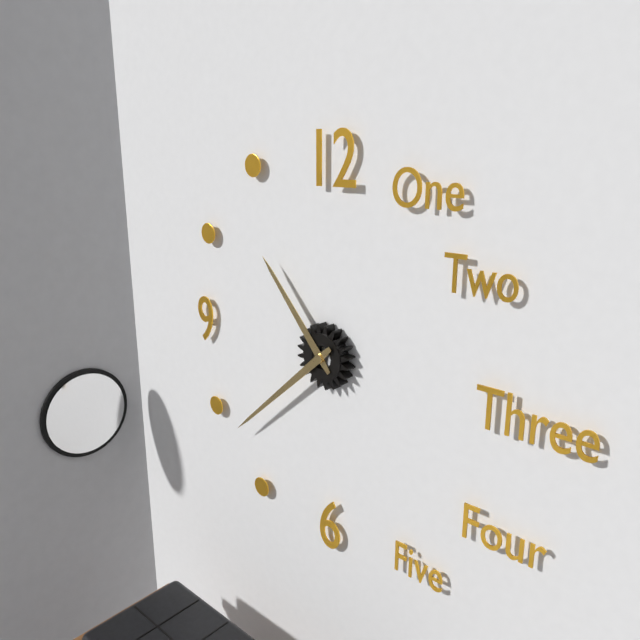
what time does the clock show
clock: 10:38
